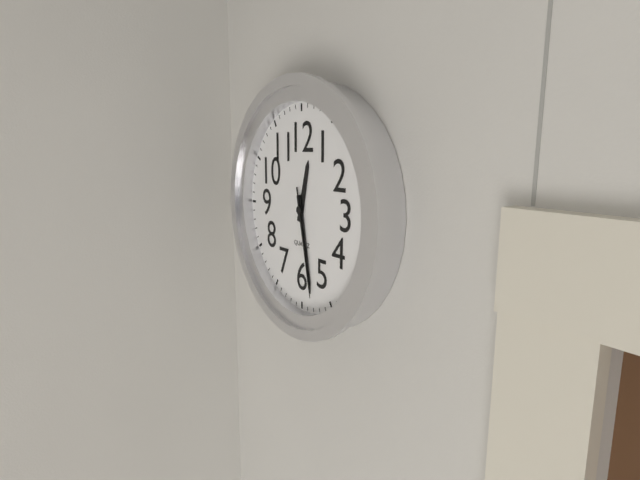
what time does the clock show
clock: 12:28:28
